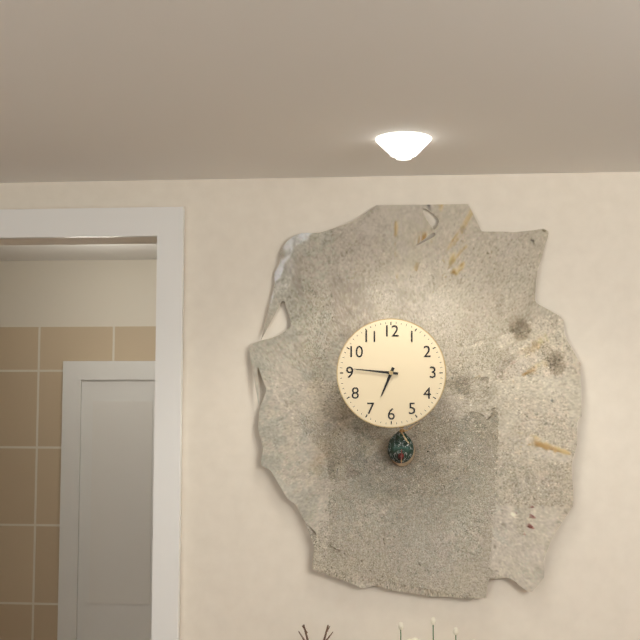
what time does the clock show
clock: 6:46
